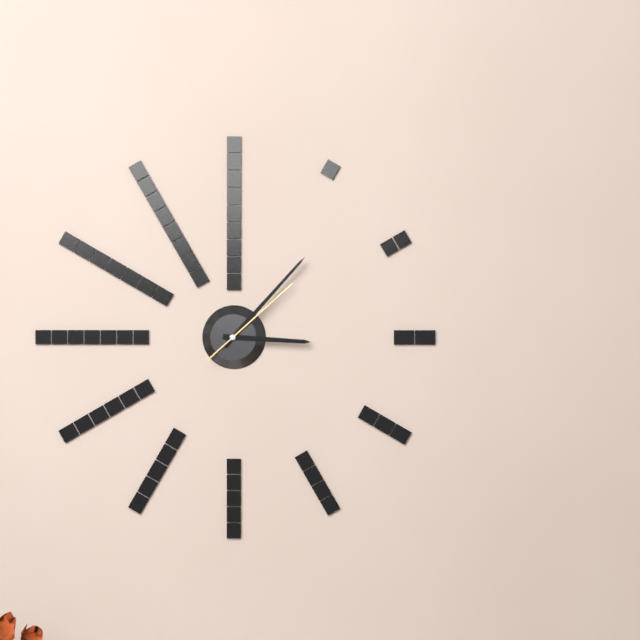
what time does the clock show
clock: 3:07:08
